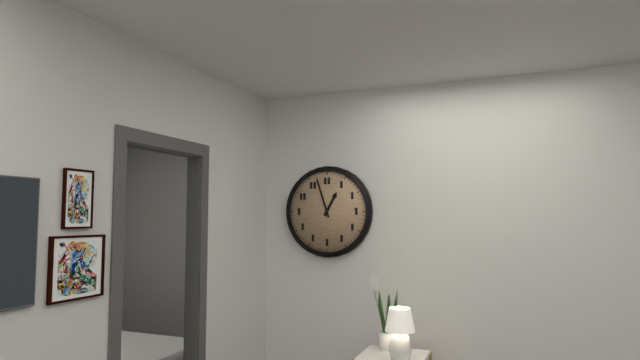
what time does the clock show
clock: 12:57
